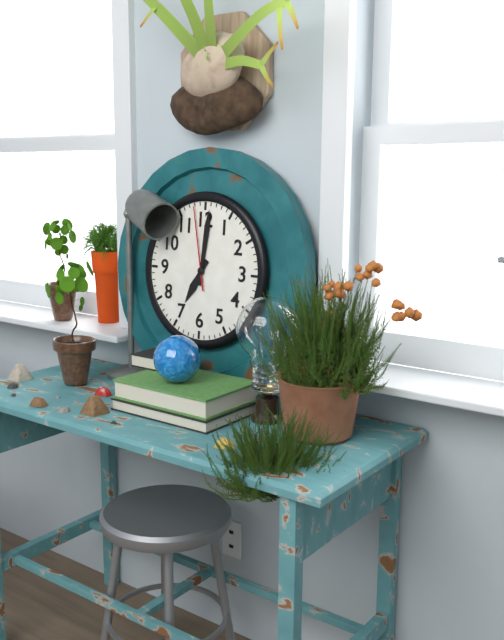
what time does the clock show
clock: 7:01:58
